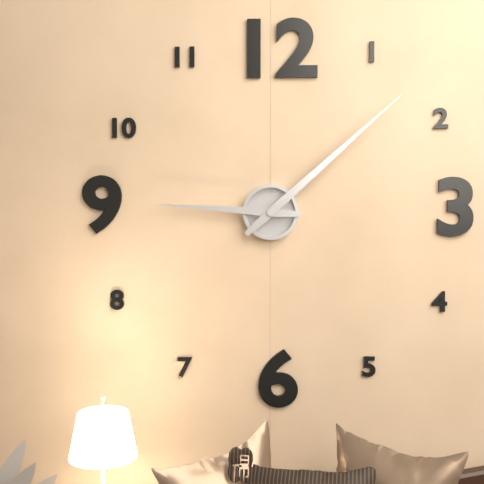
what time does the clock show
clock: 9:08
